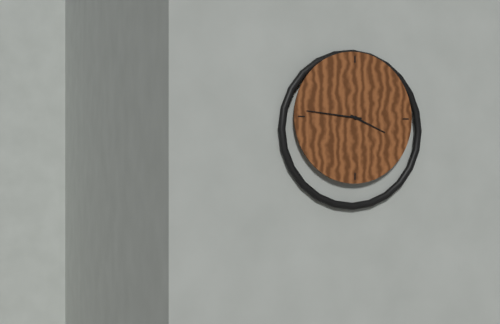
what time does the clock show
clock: 3:46
